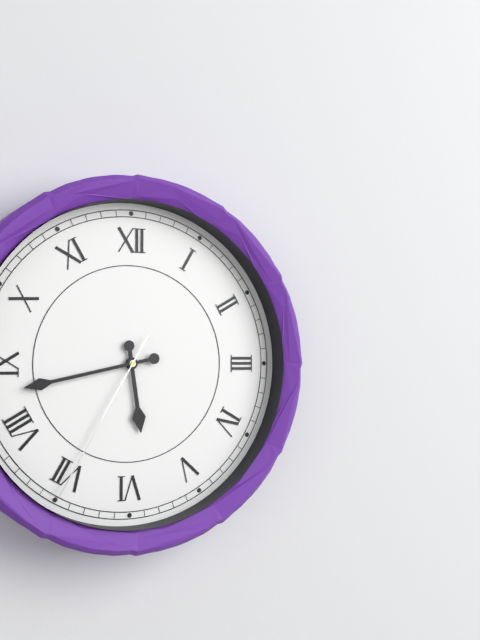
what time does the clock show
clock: 5:43:35
